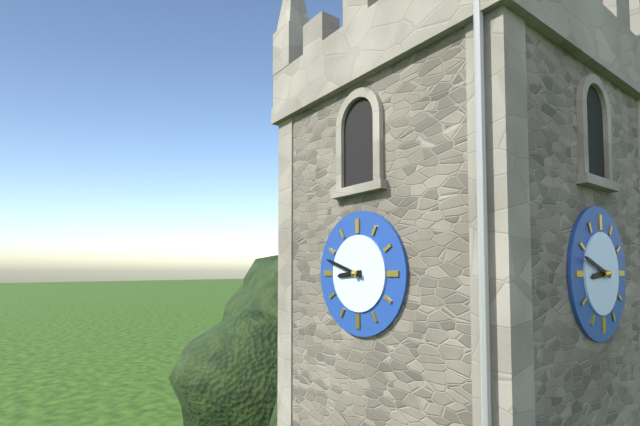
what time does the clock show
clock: 8:48
